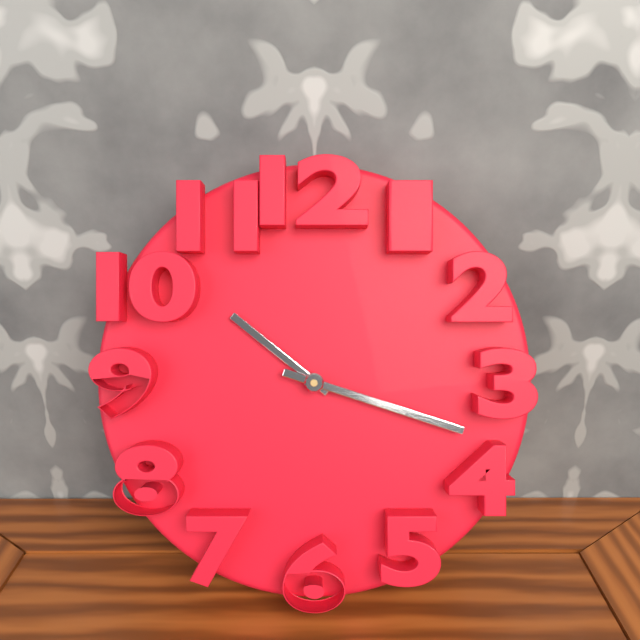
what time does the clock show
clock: 10:18
